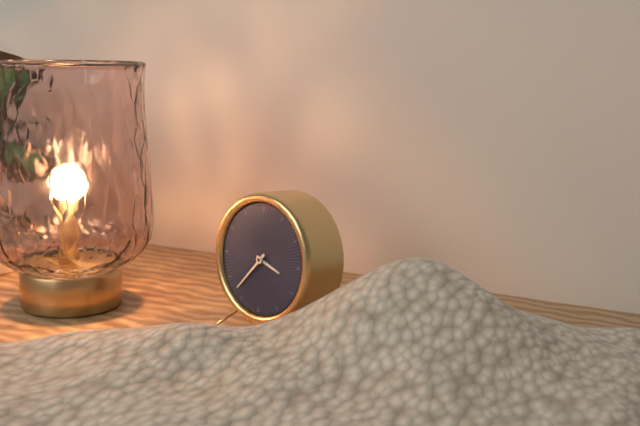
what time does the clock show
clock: 3:37
